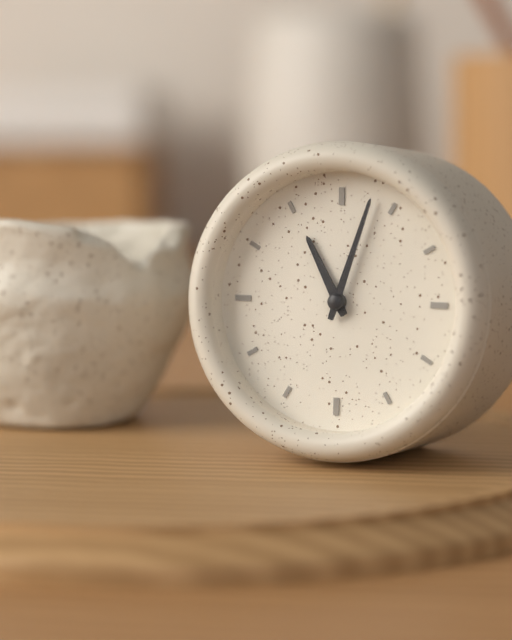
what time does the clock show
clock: 11:03
